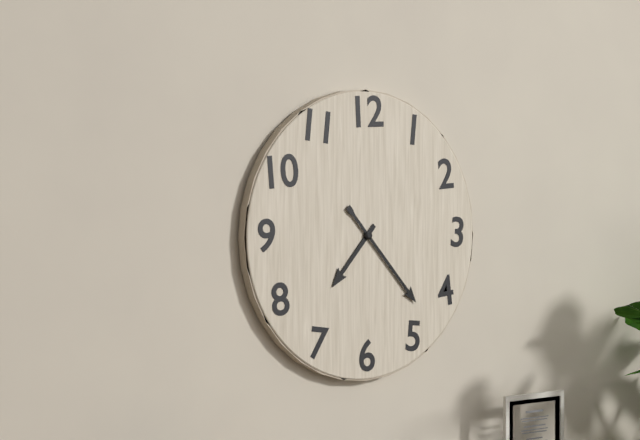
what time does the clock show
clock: 7:23
